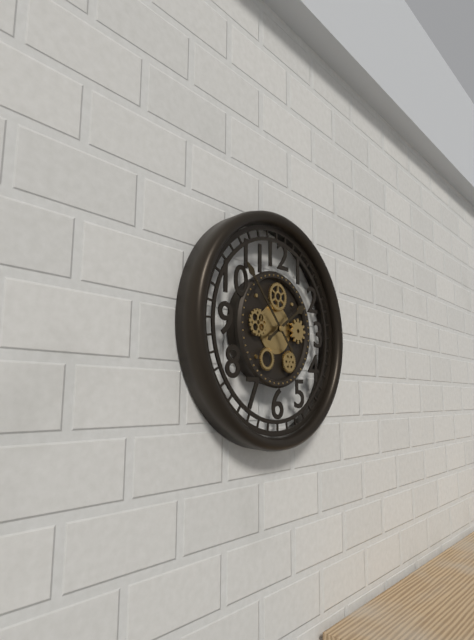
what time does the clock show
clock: 1:53
